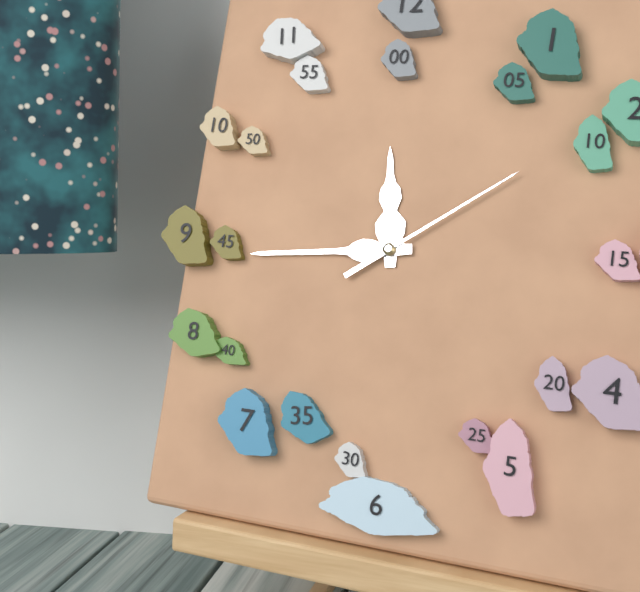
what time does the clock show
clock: 11:44:09
